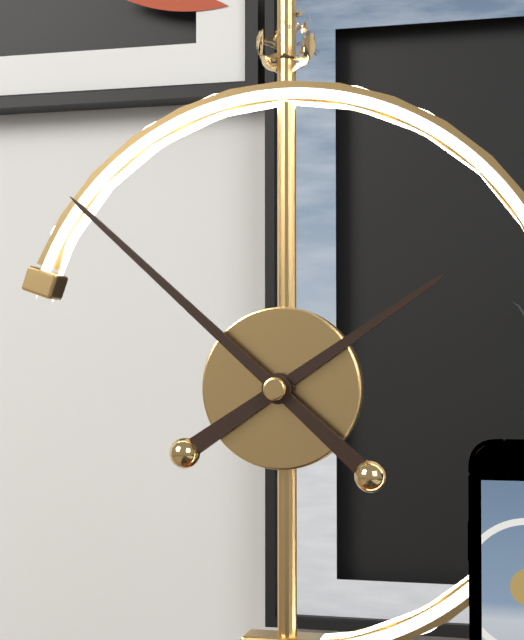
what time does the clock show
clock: 1:52
